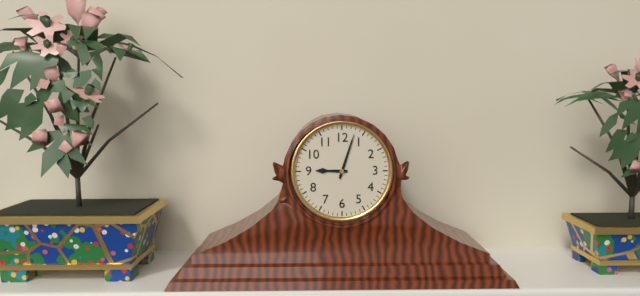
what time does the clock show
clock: 9:03
